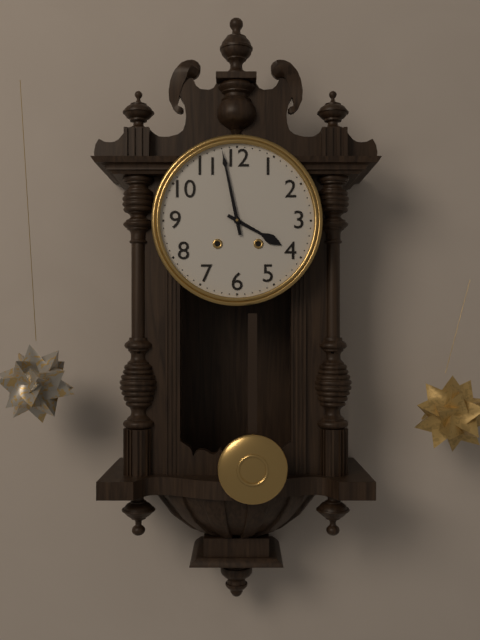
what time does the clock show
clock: 3:58
